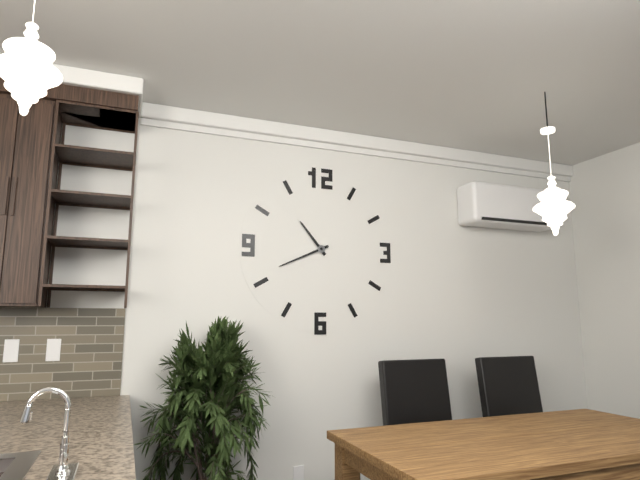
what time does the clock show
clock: 10:41
